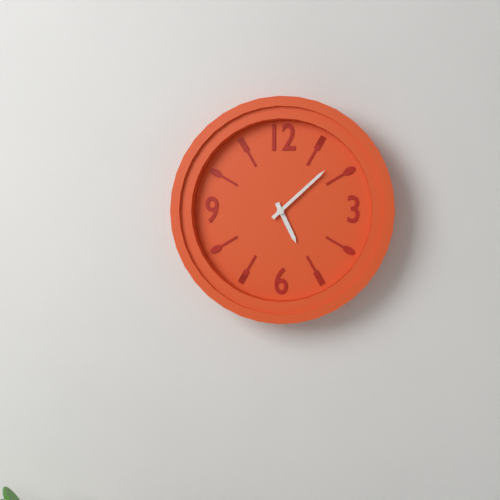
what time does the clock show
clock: 5:08
